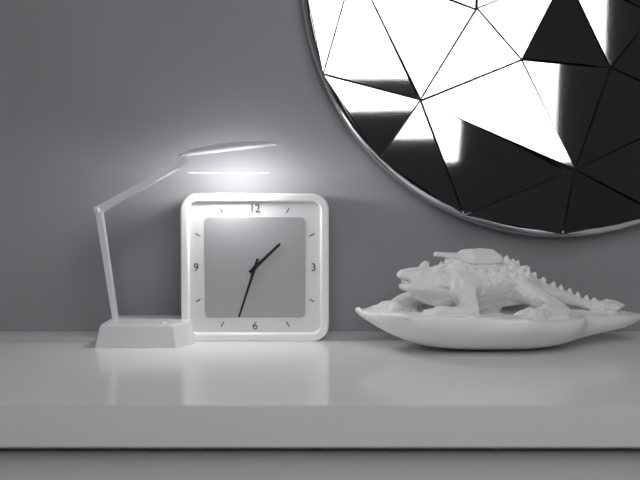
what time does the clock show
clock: 1:33
